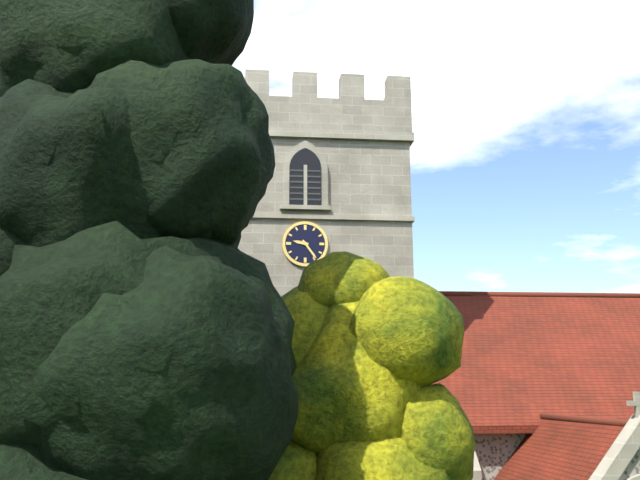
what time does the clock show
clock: 9:24
